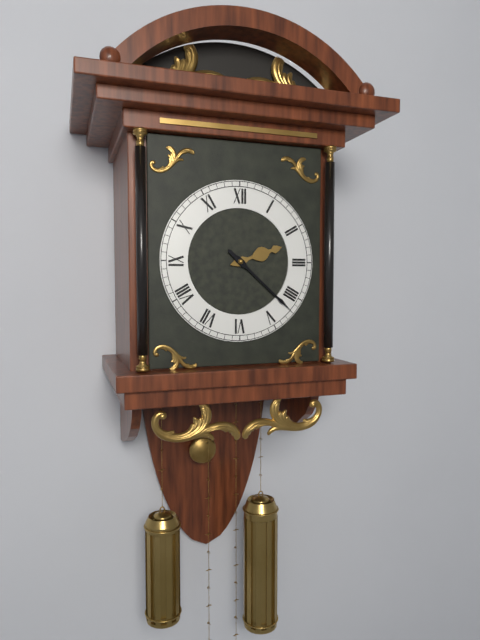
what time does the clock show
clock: 2:22
